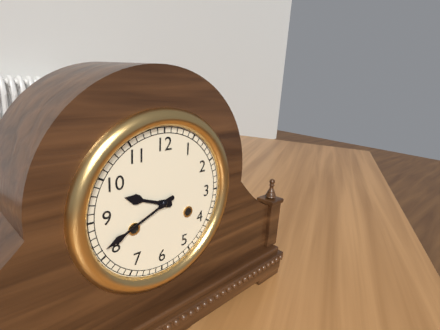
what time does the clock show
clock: 9:41
